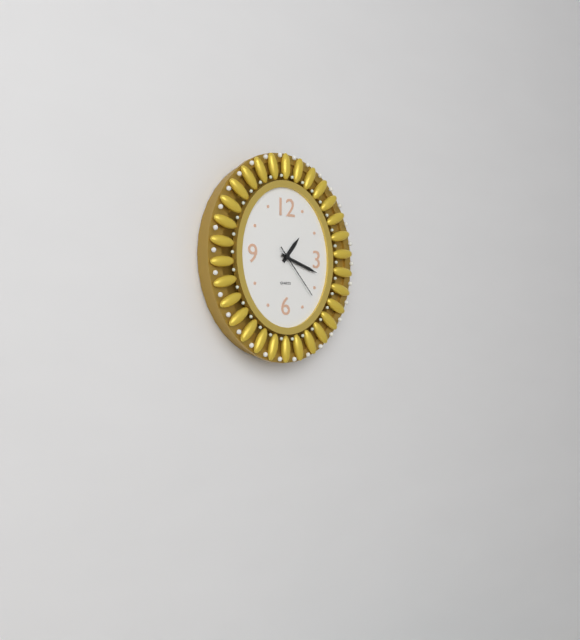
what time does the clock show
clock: 1:18:23
